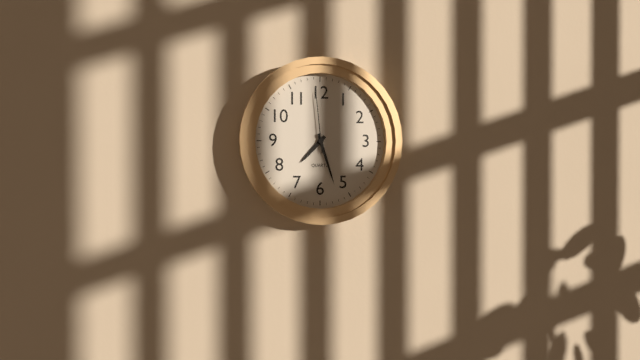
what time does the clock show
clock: 7:27:59
